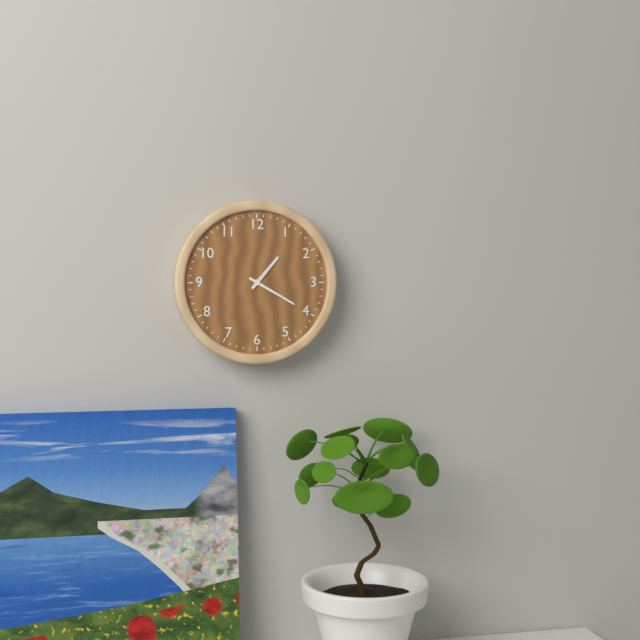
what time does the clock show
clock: 1:20
